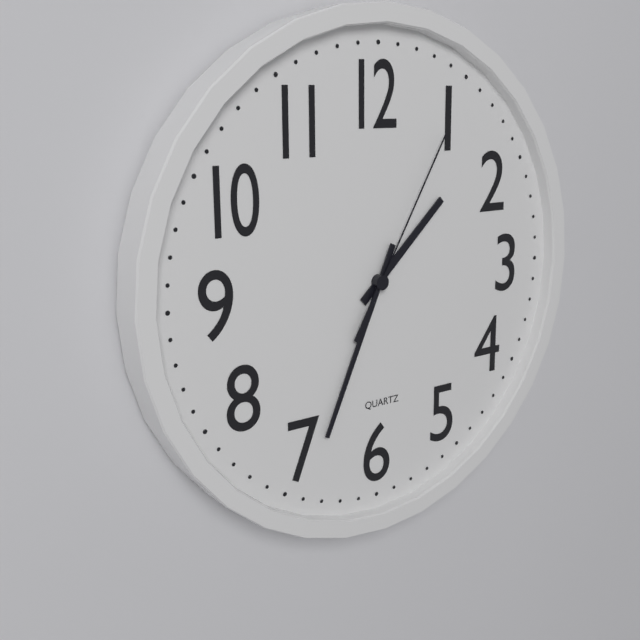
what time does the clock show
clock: 1:34:05
